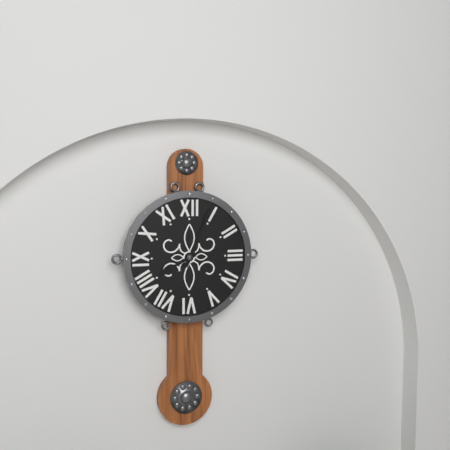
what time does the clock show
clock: 8:04
